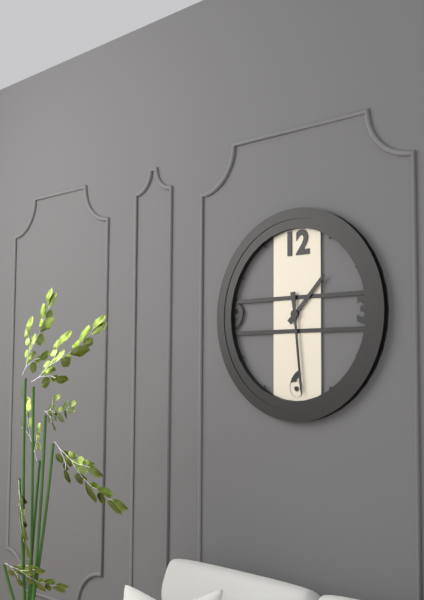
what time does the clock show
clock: 1:29
